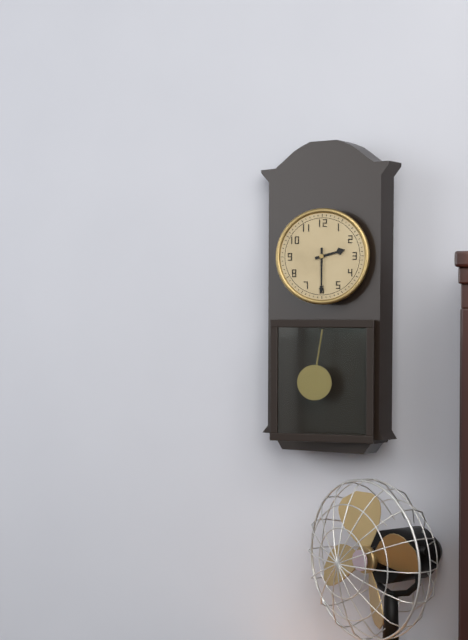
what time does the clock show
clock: 2:30
